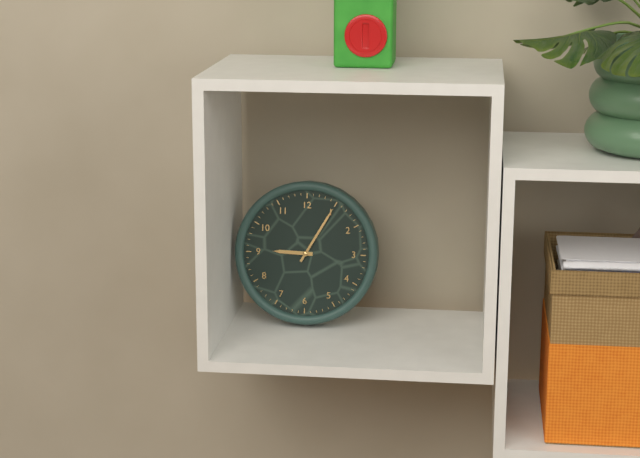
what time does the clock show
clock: 9:05
